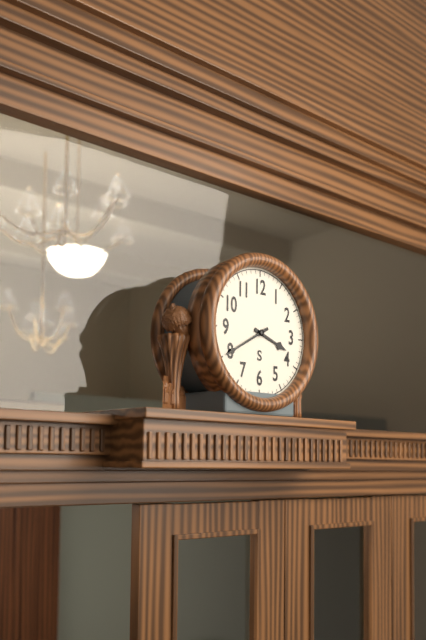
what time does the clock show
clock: 3:40
